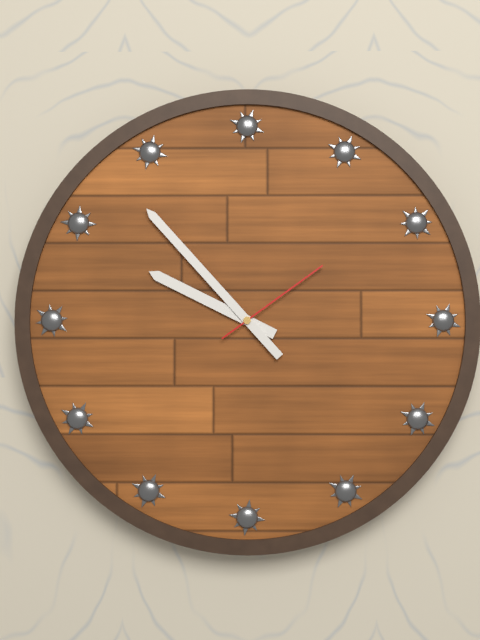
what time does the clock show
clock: 9:53:09
